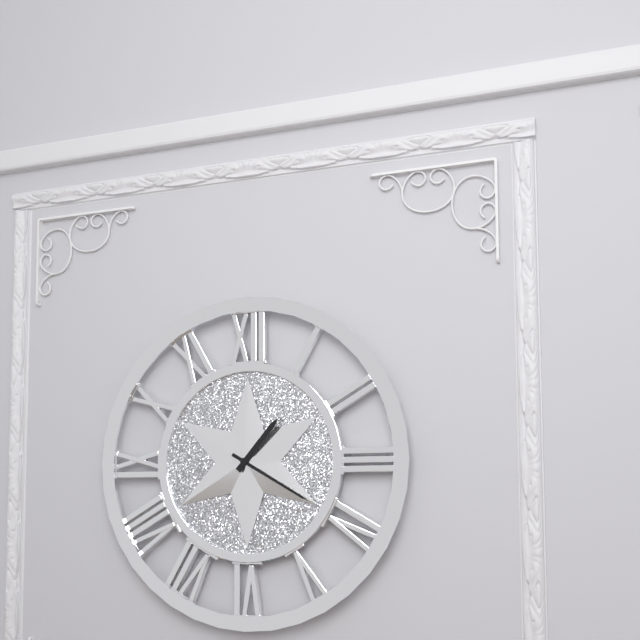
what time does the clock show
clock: 1:20
